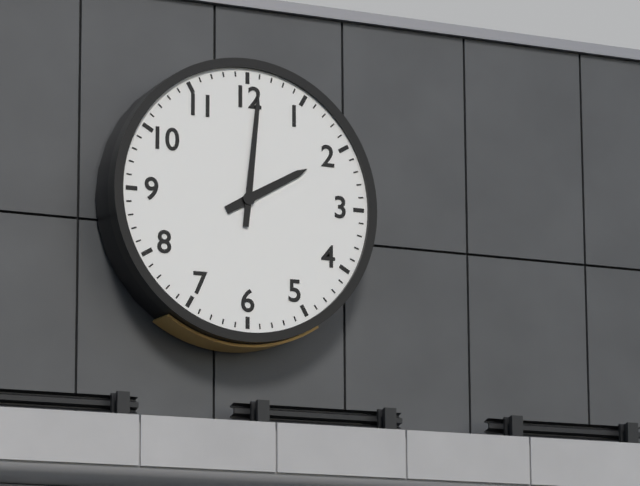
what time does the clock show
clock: 2:01
